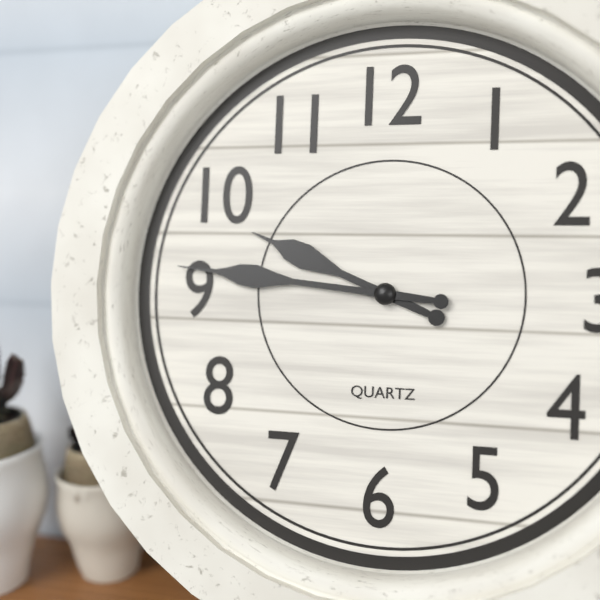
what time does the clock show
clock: 9:46
